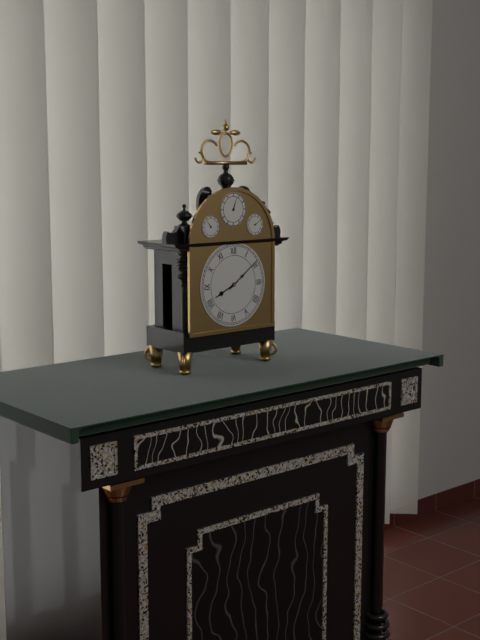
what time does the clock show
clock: 8:09
